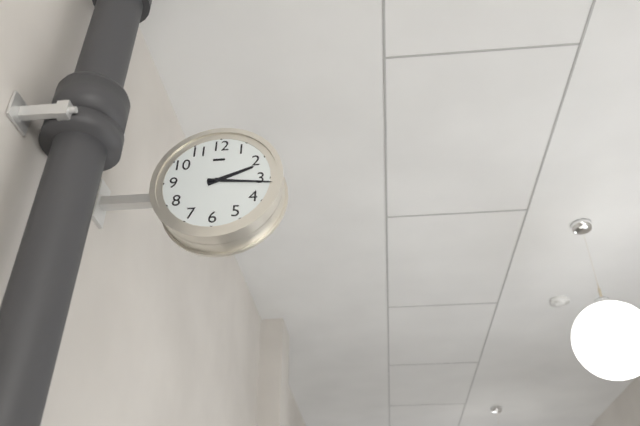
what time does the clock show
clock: 2:16
